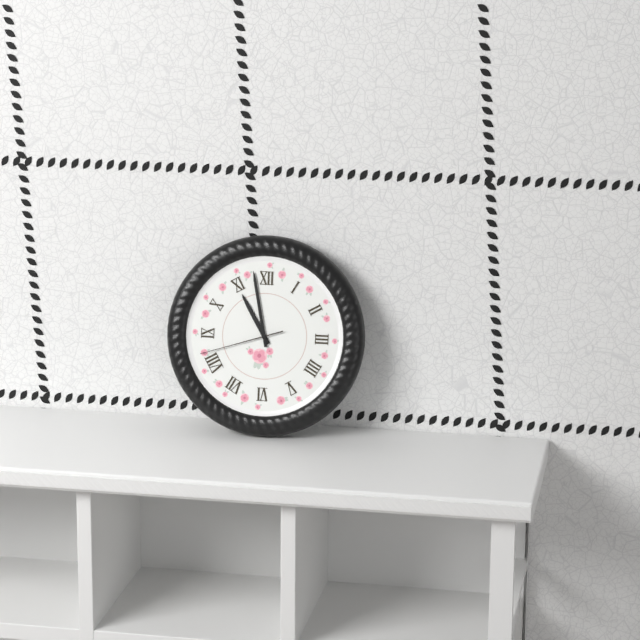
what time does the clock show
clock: 10:58:42
